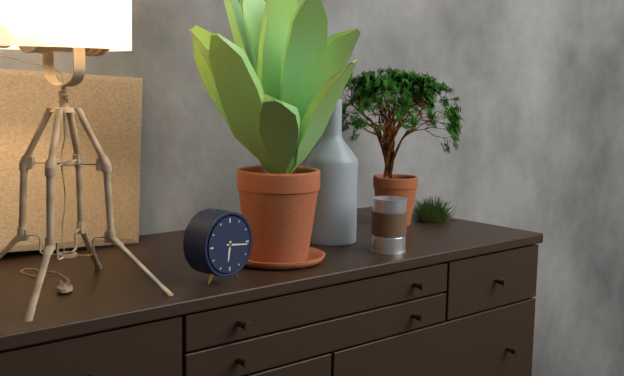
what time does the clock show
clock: 6:16
